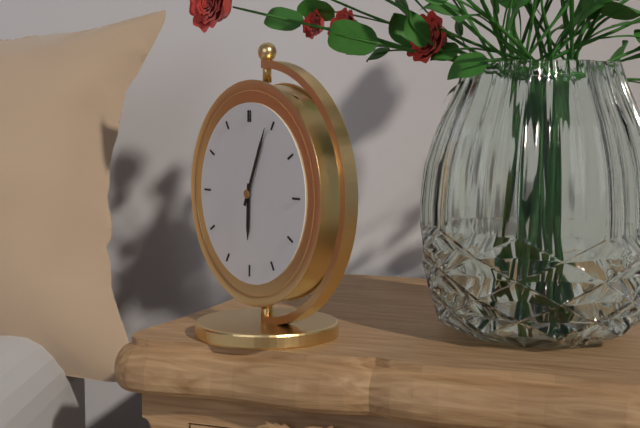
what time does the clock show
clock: 6:04
